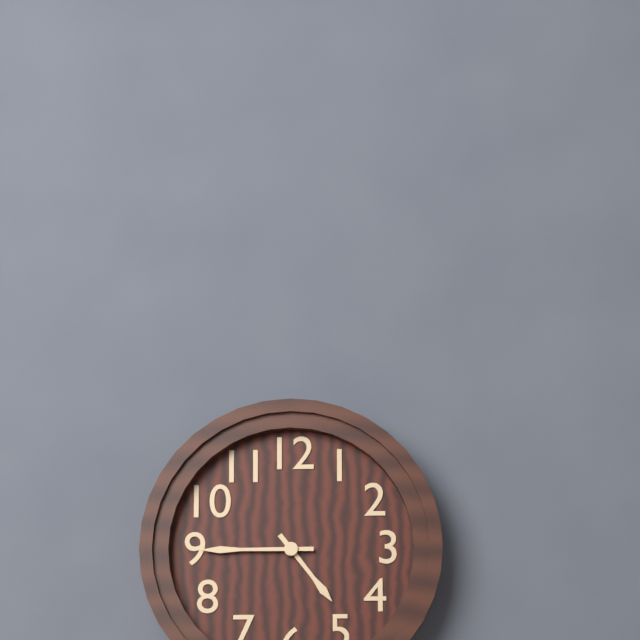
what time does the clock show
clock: 4:45
